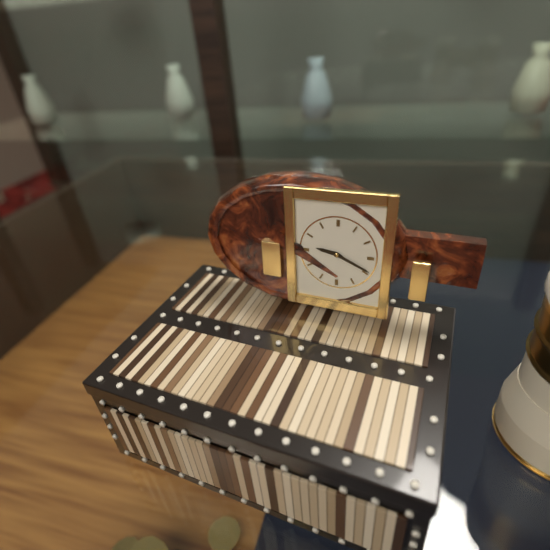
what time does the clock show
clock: 9:19
